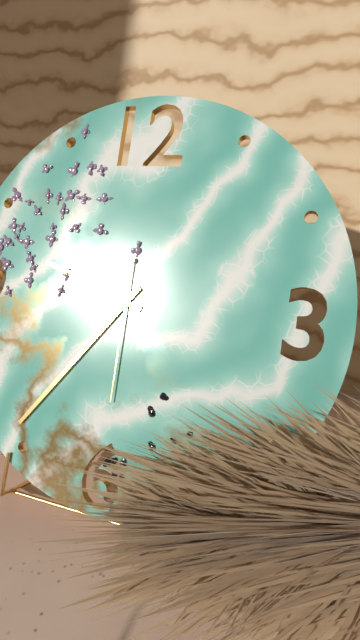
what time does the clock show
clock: 9:36:30
